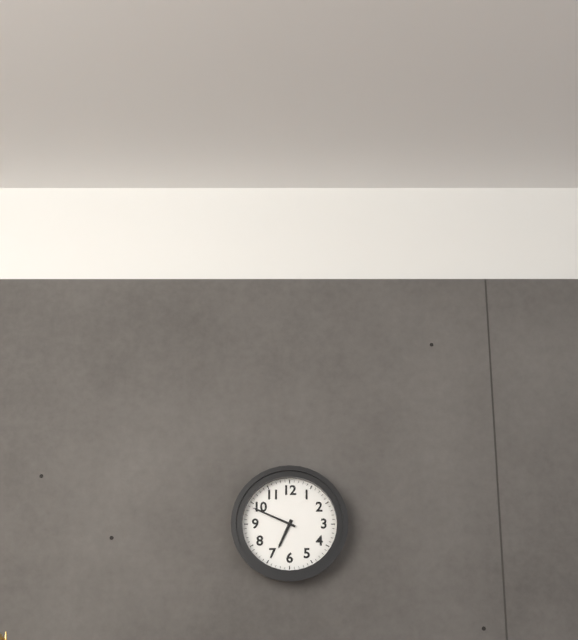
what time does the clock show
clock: 6:49
